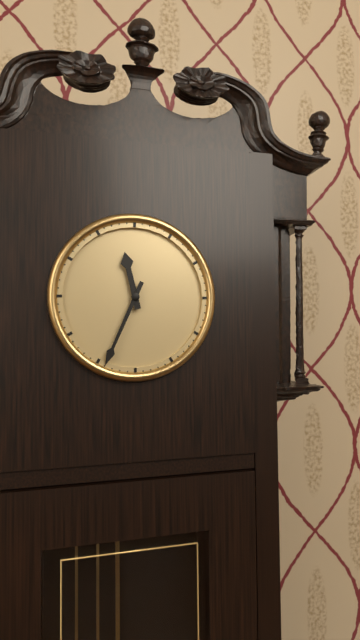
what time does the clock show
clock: 11:34
